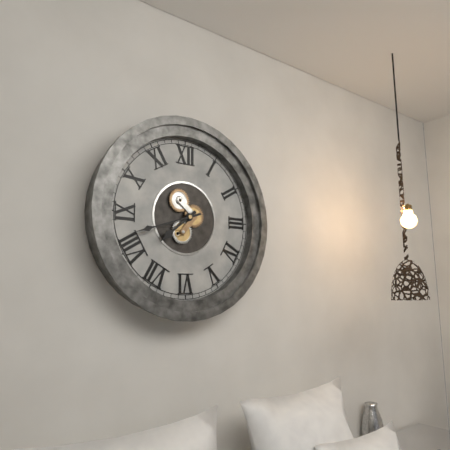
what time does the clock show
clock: 7:42
